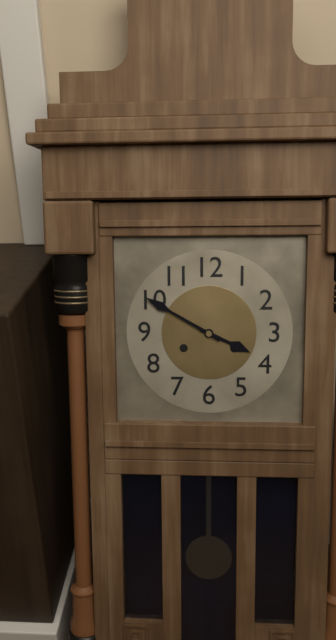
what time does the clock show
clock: 3:50
